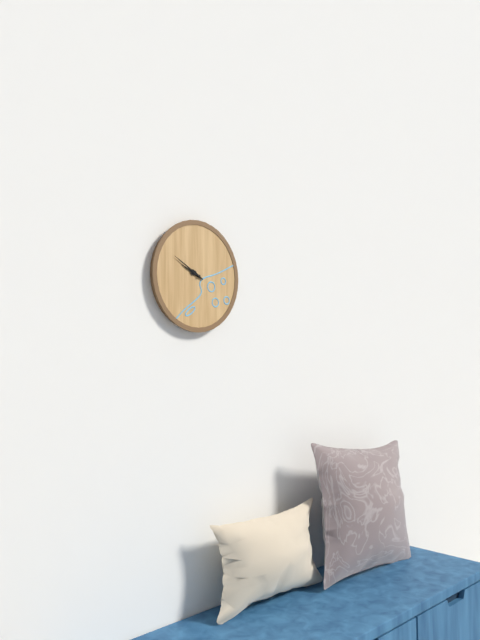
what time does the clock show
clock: 9:50
